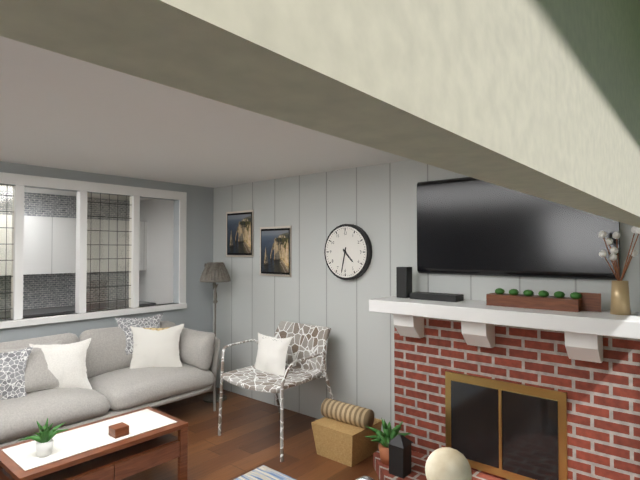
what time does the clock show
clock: 4:32
